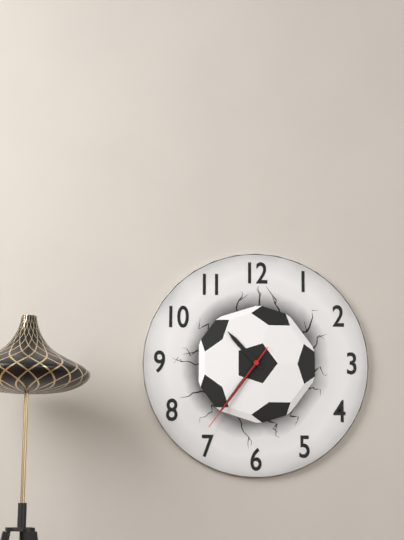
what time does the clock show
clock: 10:36:36
